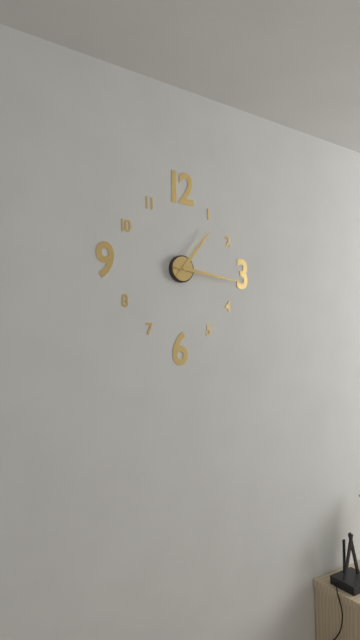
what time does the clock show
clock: 1:16
